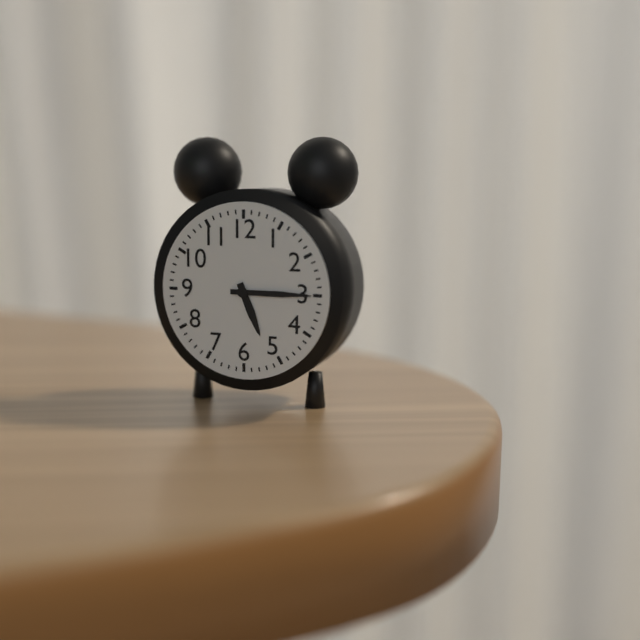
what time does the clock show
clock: 5:15
